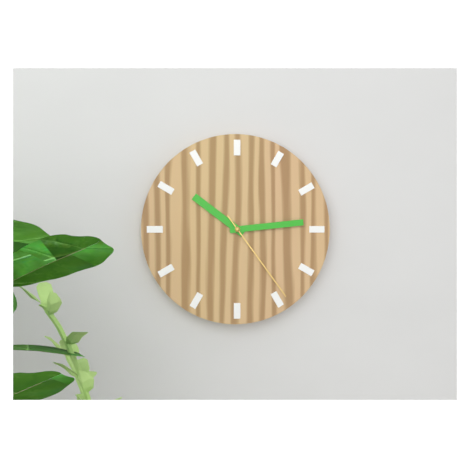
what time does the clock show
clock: 10:14:24
